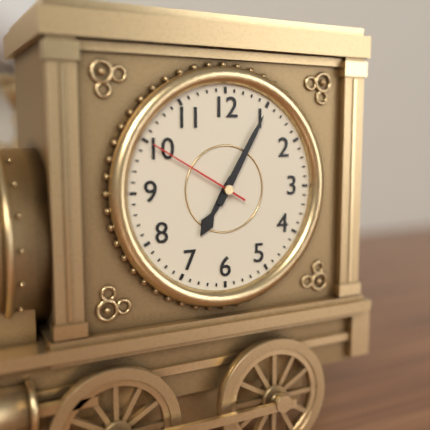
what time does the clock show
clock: 7:05:50
